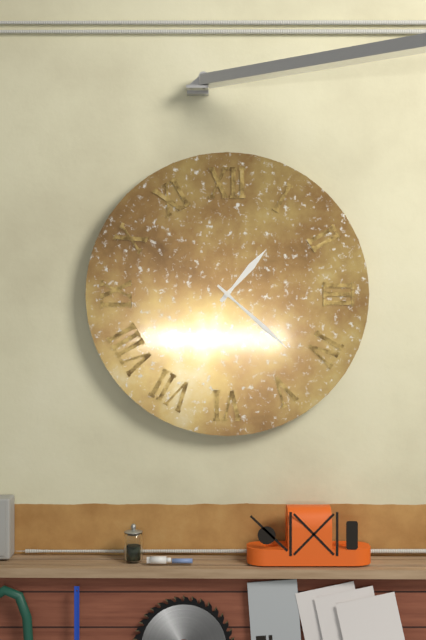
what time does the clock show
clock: 1:22
